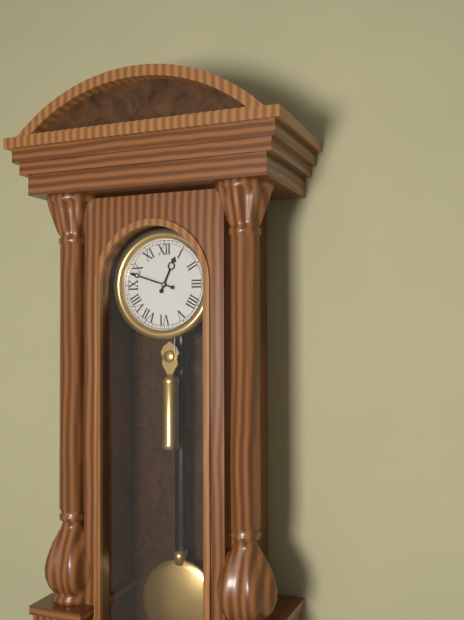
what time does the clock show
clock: 12:48
